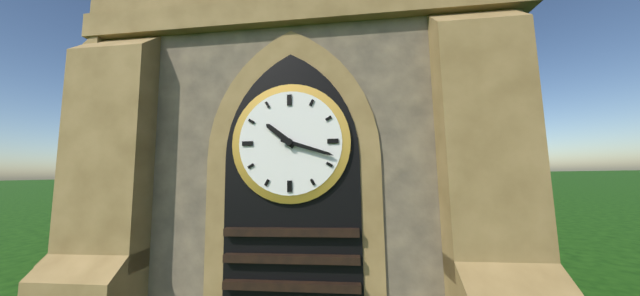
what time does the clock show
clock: 10:18
